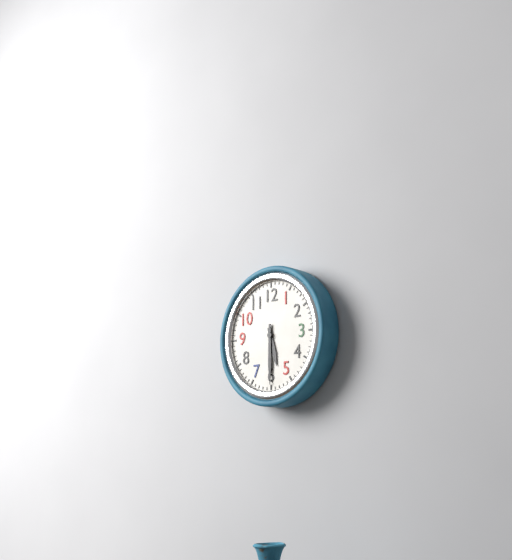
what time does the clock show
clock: 5:30
